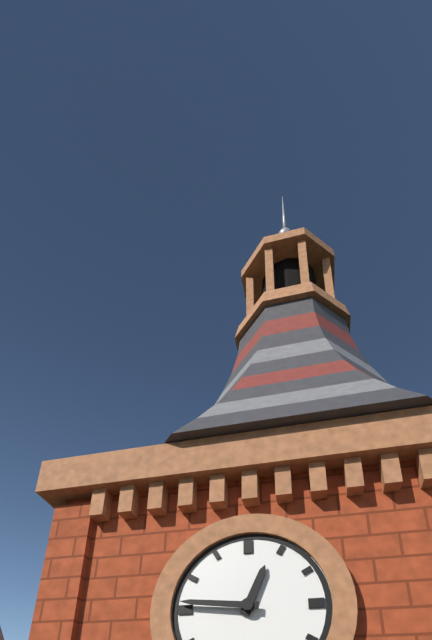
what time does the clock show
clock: 12:46
